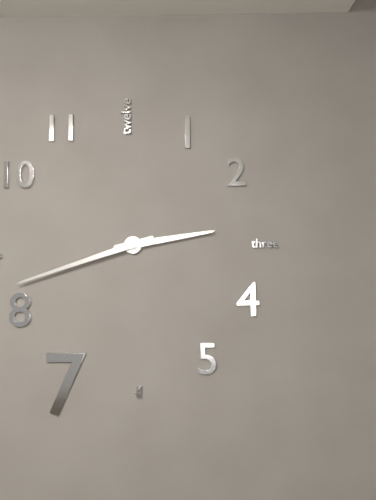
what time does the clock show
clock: 2:42
